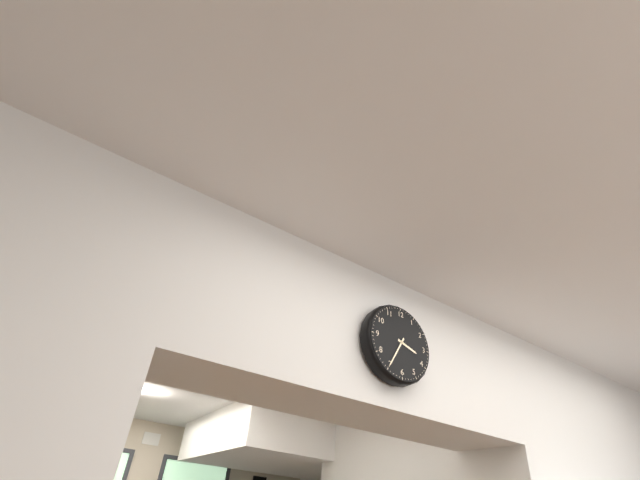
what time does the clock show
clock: 3:35
